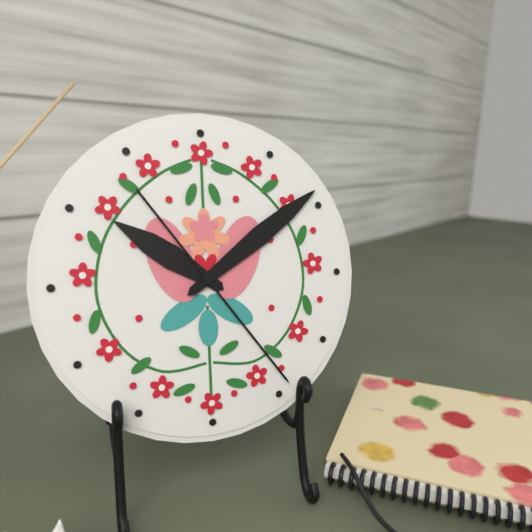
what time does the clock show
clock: 10:09:24
